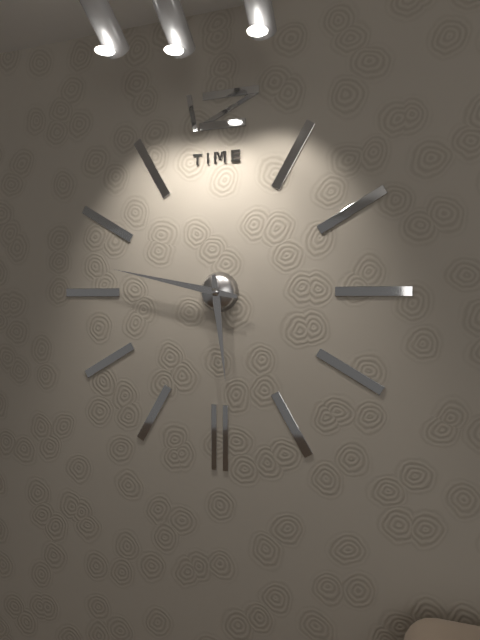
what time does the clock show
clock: 5:47
